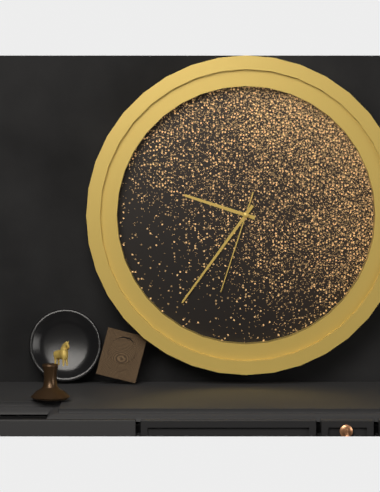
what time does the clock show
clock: 9:36:33
